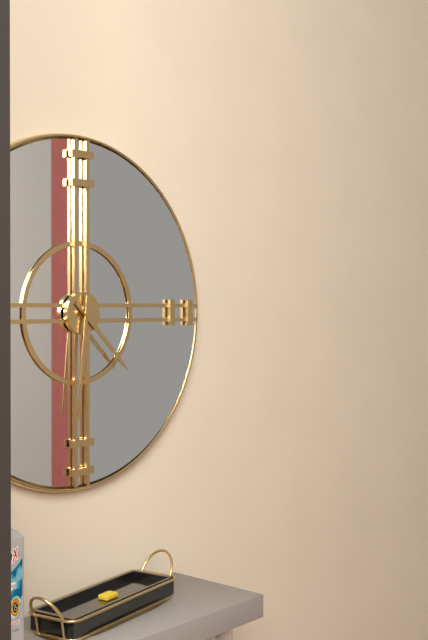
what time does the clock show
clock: 4:31
